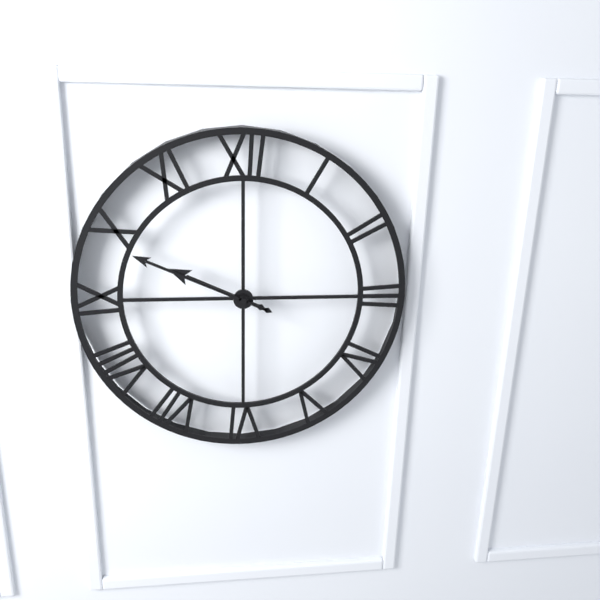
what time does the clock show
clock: 9:49
